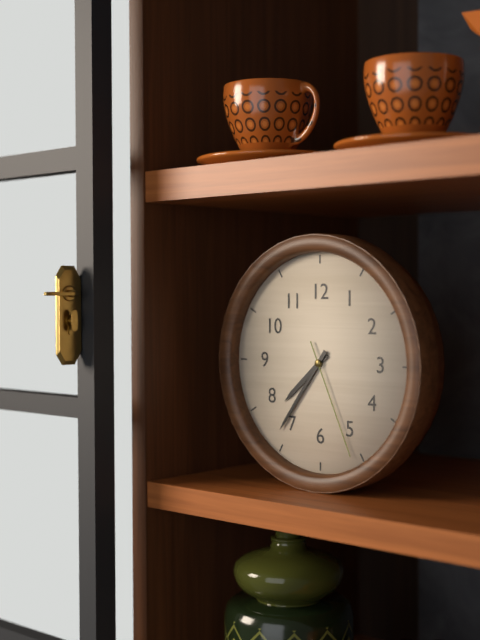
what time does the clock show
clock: 7:36:26
